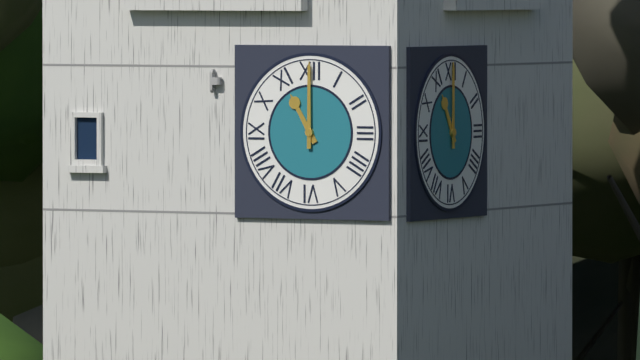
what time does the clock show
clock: 11:00
